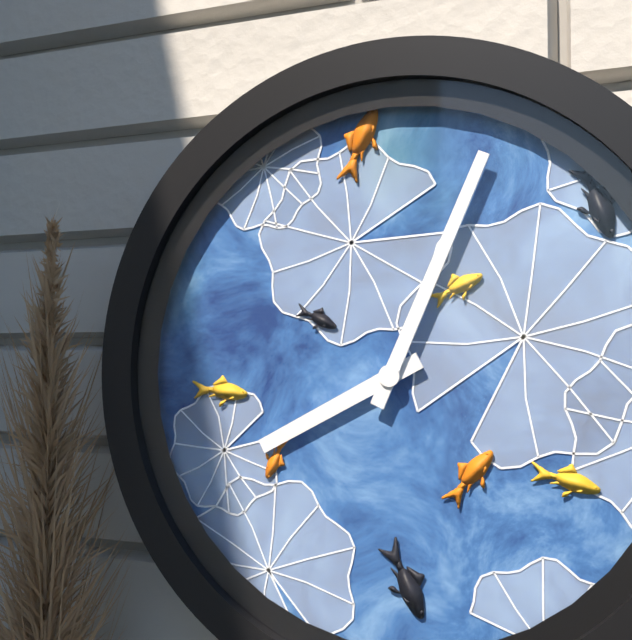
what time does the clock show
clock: 8:04
